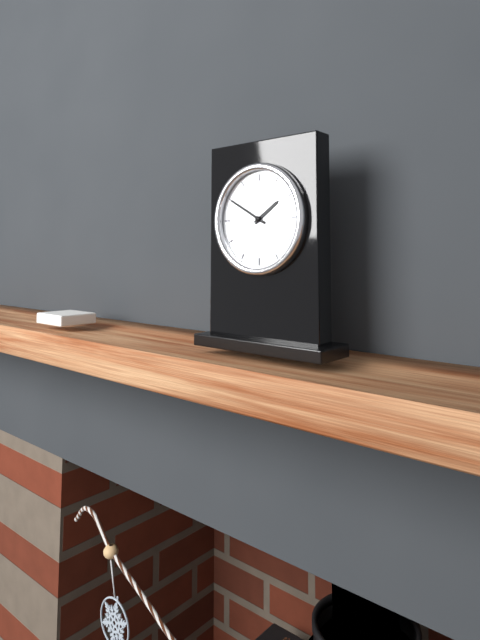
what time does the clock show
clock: 1:50
